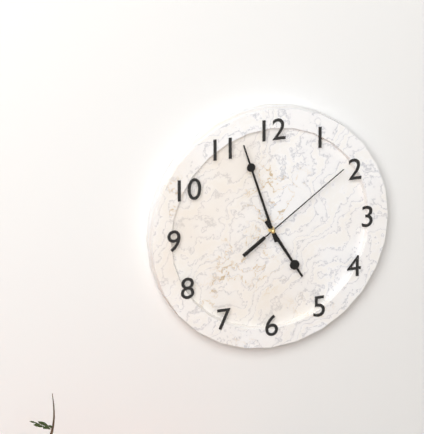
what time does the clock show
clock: 4:57:09
